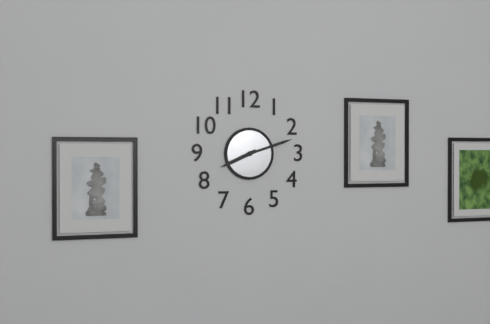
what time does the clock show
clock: 8:12
